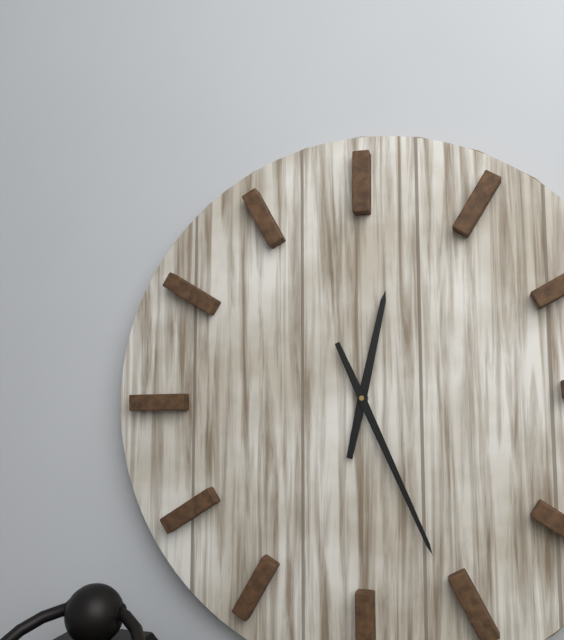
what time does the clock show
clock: 12:26
